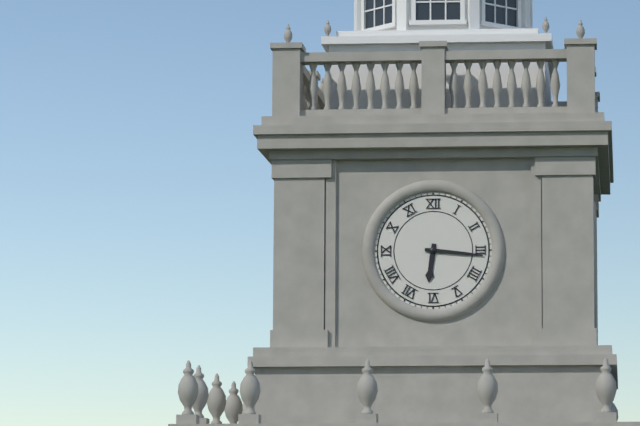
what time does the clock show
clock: 6:16
